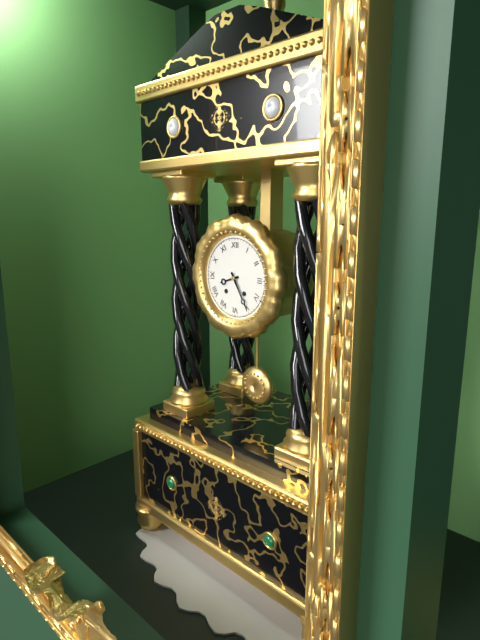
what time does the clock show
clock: 8:25
